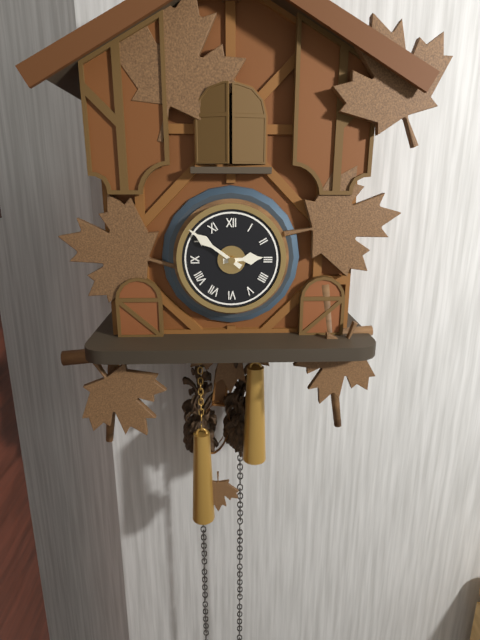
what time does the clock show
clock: 2:51
